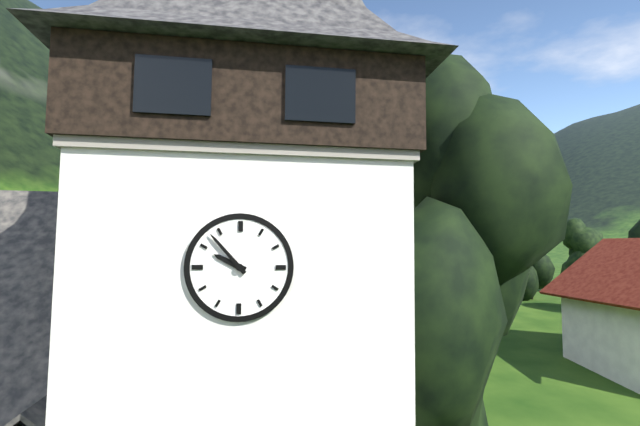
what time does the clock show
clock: 9:53
